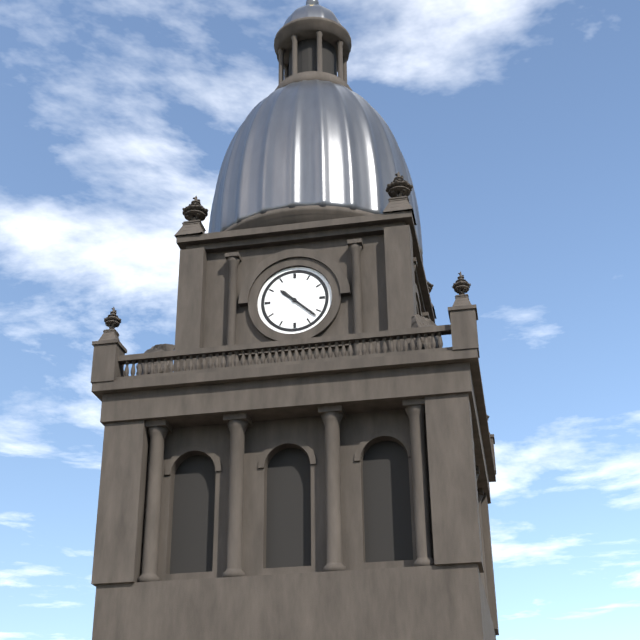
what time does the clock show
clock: 10:22
